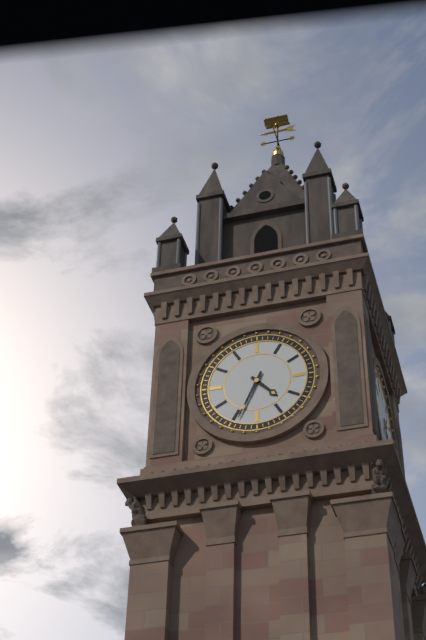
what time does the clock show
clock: 4:34
